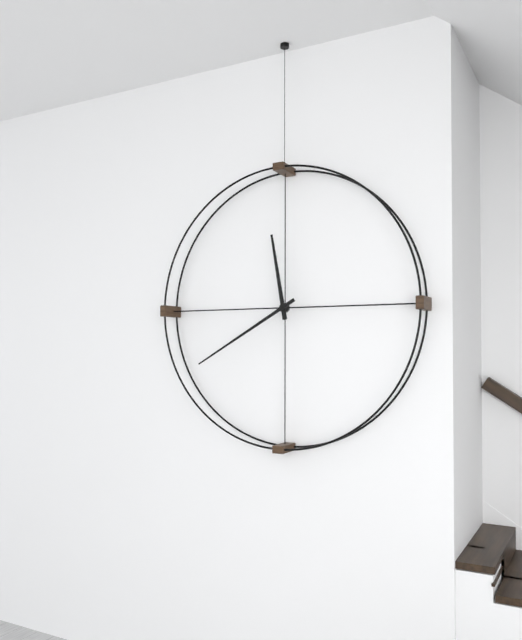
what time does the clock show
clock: 11:40
